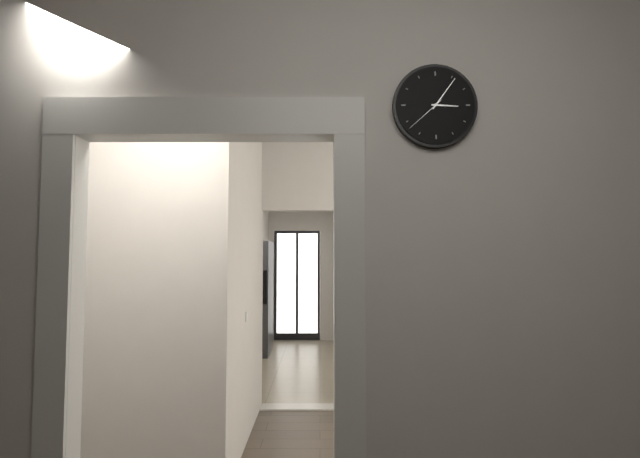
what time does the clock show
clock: 3:06
